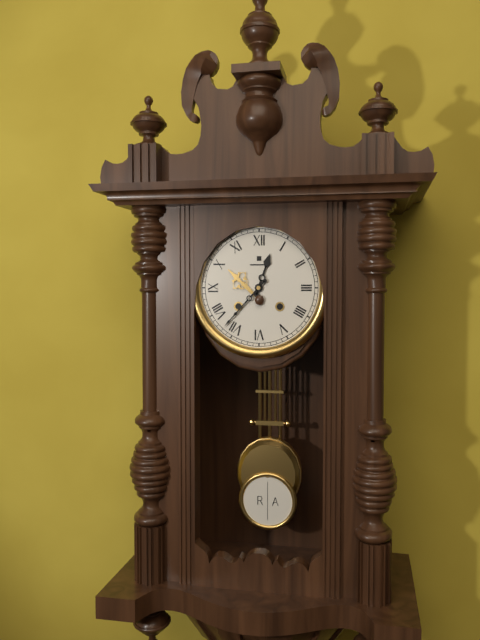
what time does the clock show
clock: 12:37
